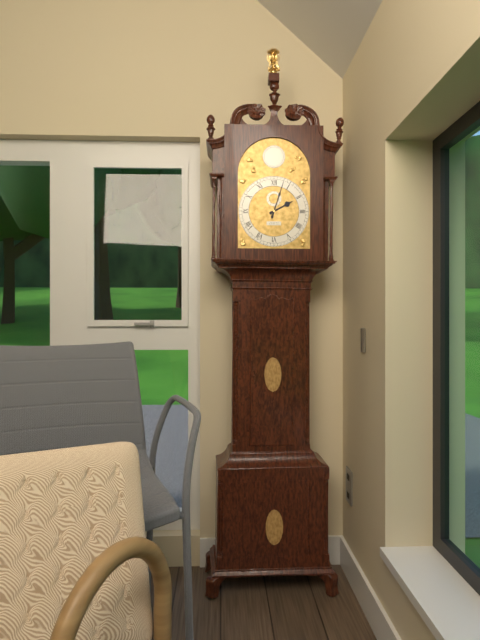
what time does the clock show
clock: 2:03
